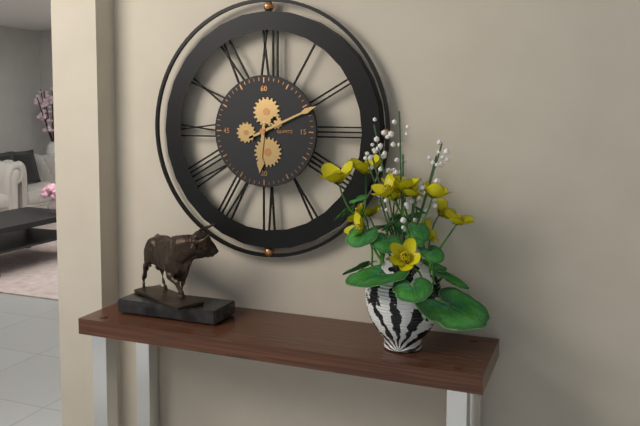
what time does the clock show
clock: 6:11
